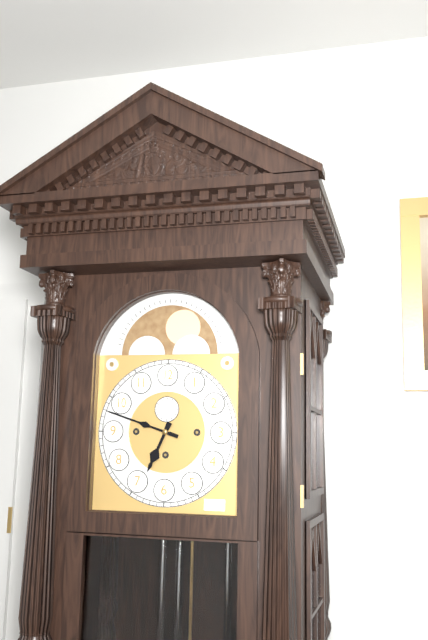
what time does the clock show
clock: 6:48
